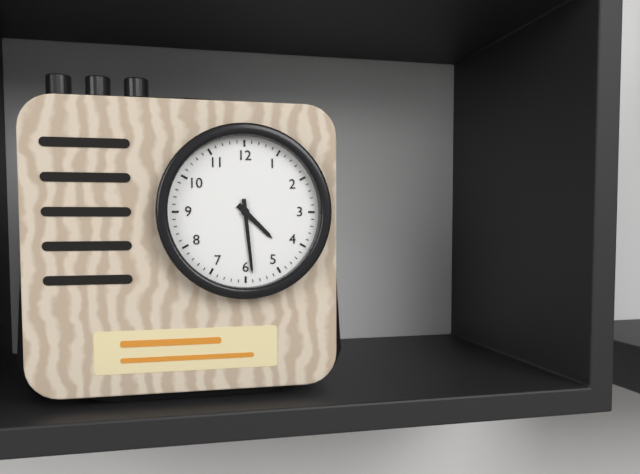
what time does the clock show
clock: 4:29
